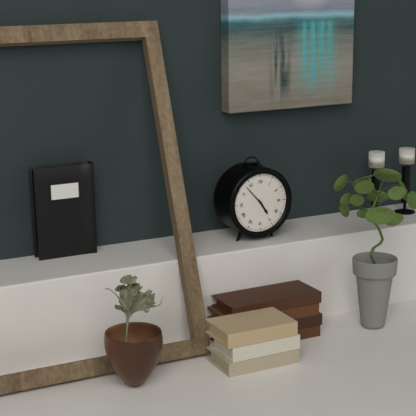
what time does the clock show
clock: 4:53
